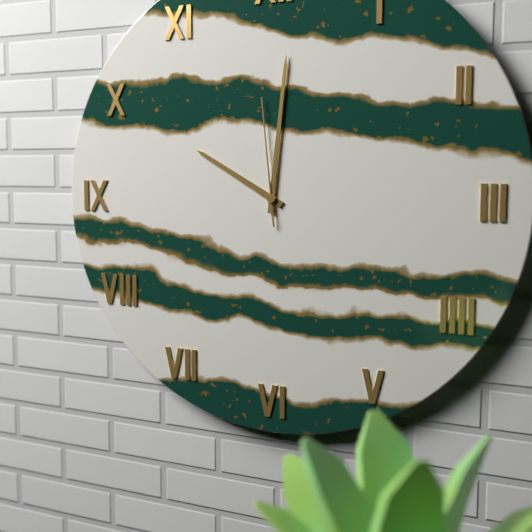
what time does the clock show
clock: 10:01:59
